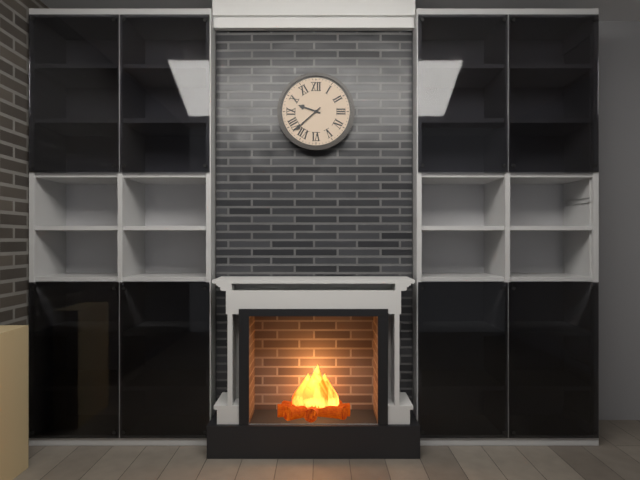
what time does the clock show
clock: 9:38
